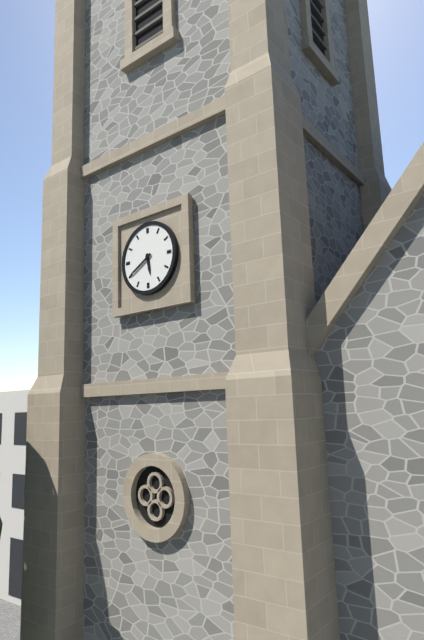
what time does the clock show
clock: 5:40
